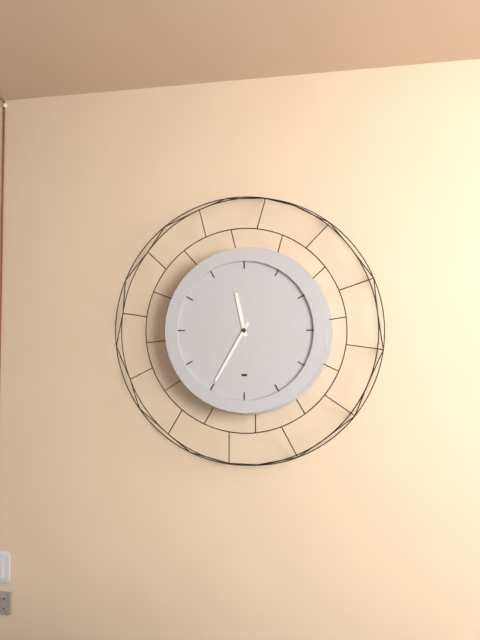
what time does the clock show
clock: 11:35
